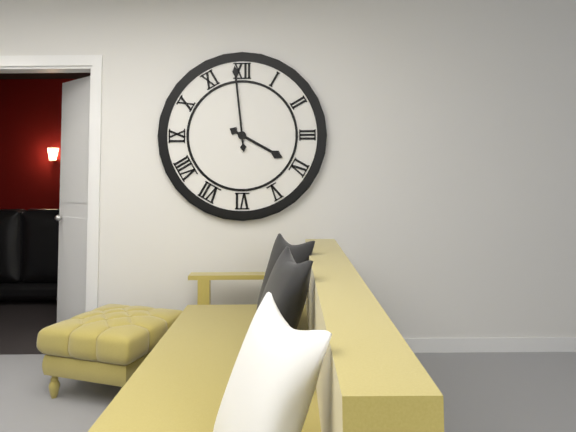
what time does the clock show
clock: 3:59
